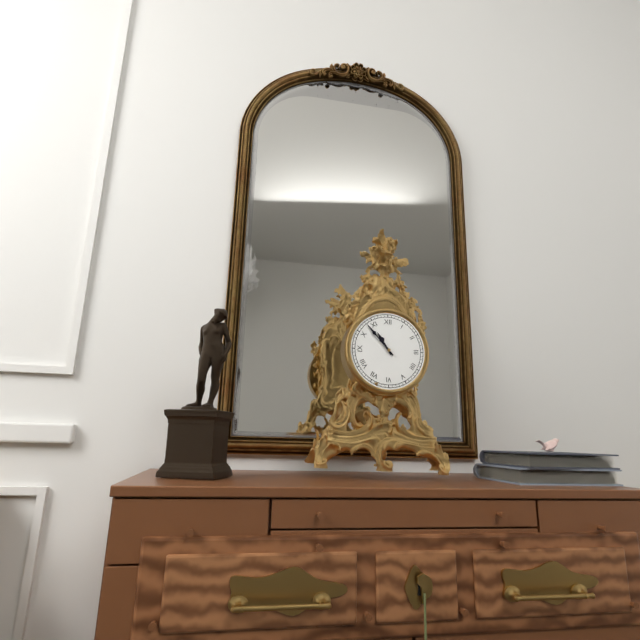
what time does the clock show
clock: 10:53
